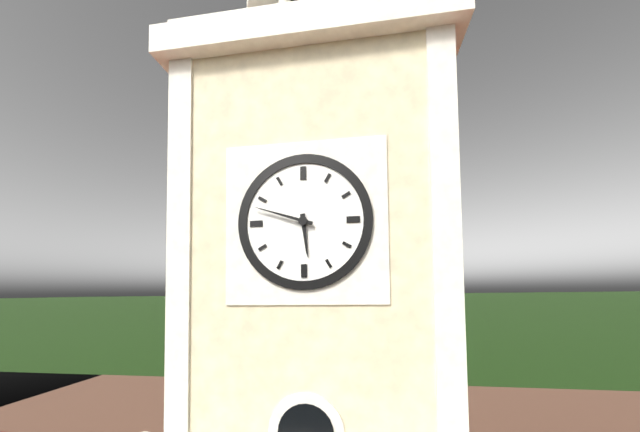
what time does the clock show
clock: 5:48
